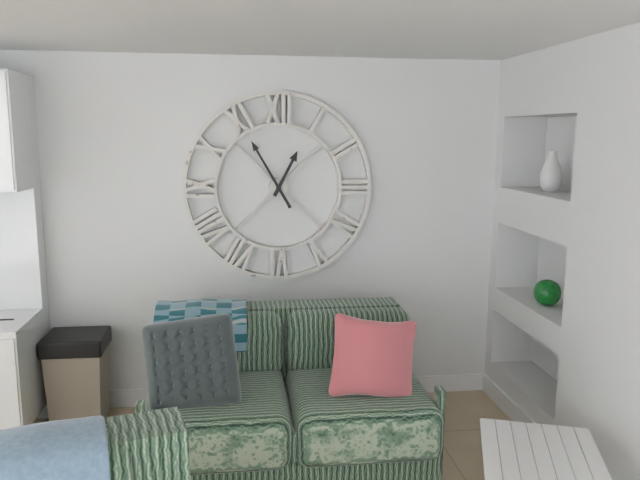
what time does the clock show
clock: 12:55
